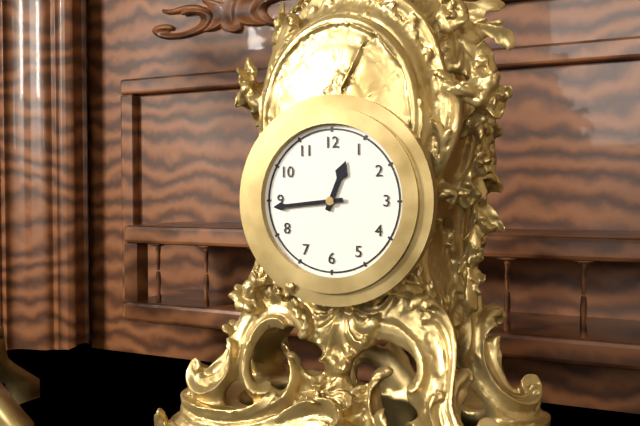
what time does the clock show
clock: 12:44
